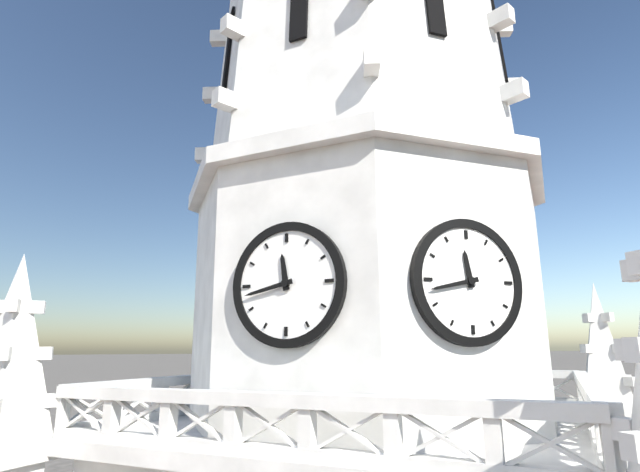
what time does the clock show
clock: 11:43
